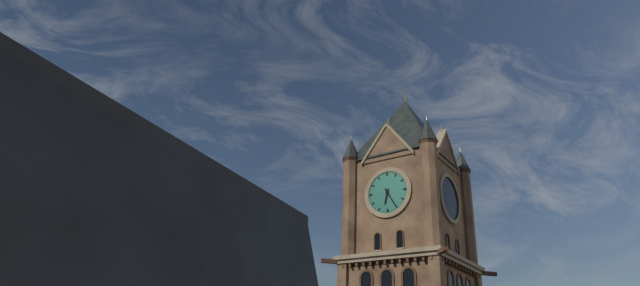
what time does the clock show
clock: 6:25
